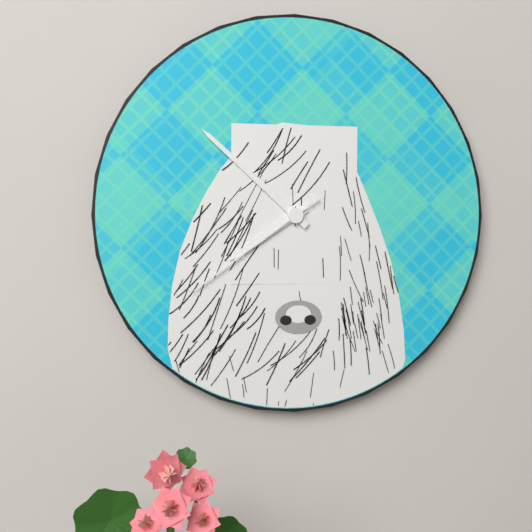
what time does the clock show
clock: 7:52:39
